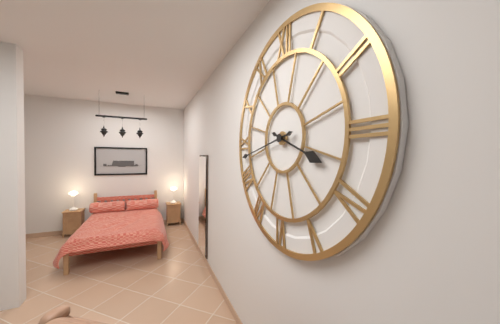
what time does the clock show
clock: 3:43
